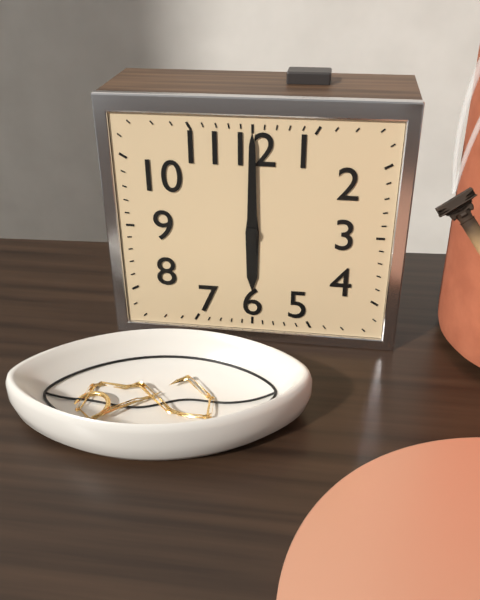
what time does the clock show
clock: 6:00
